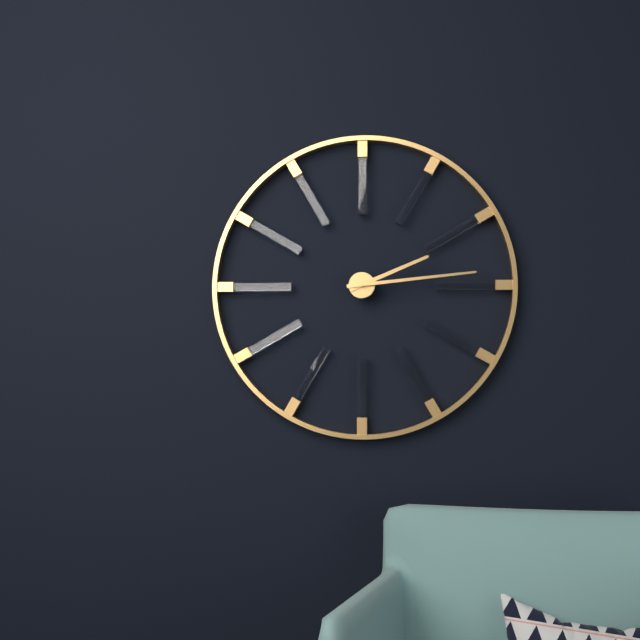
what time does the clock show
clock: 2:14
